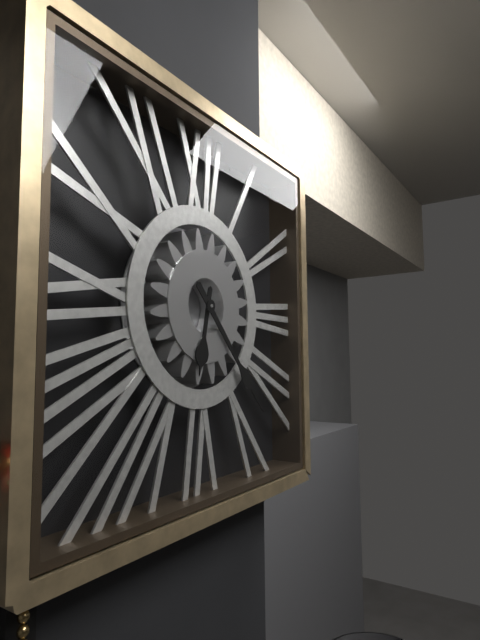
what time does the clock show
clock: 6:23
